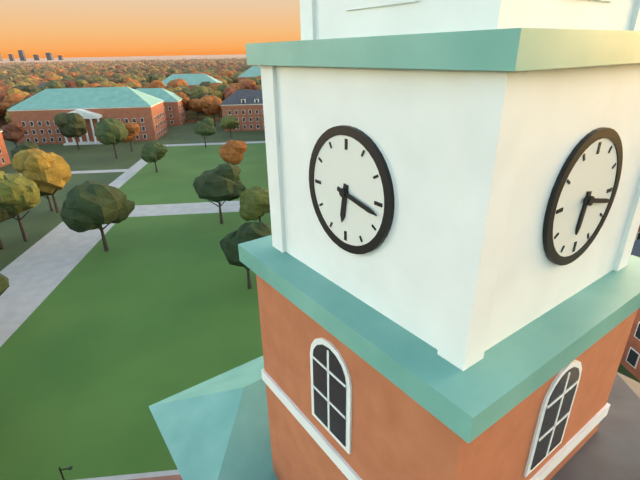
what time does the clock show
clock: 6:17
